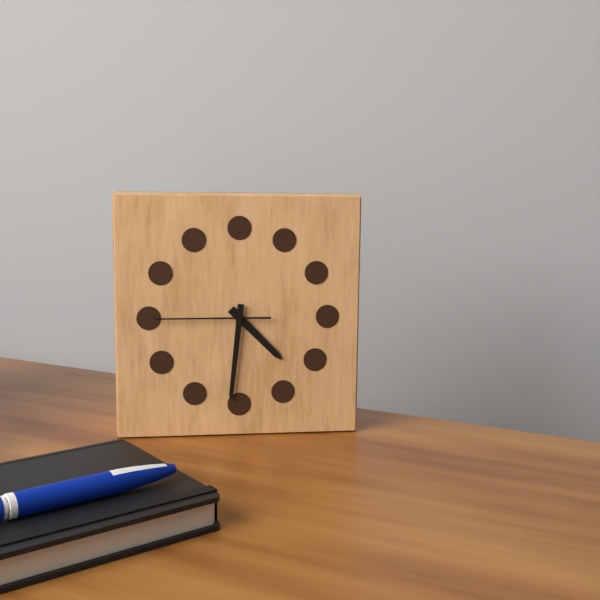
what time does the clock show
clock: 4:31:45
